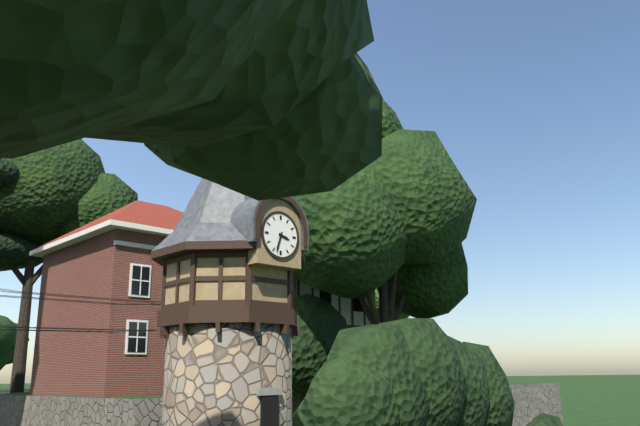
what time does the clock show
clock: 3:33
